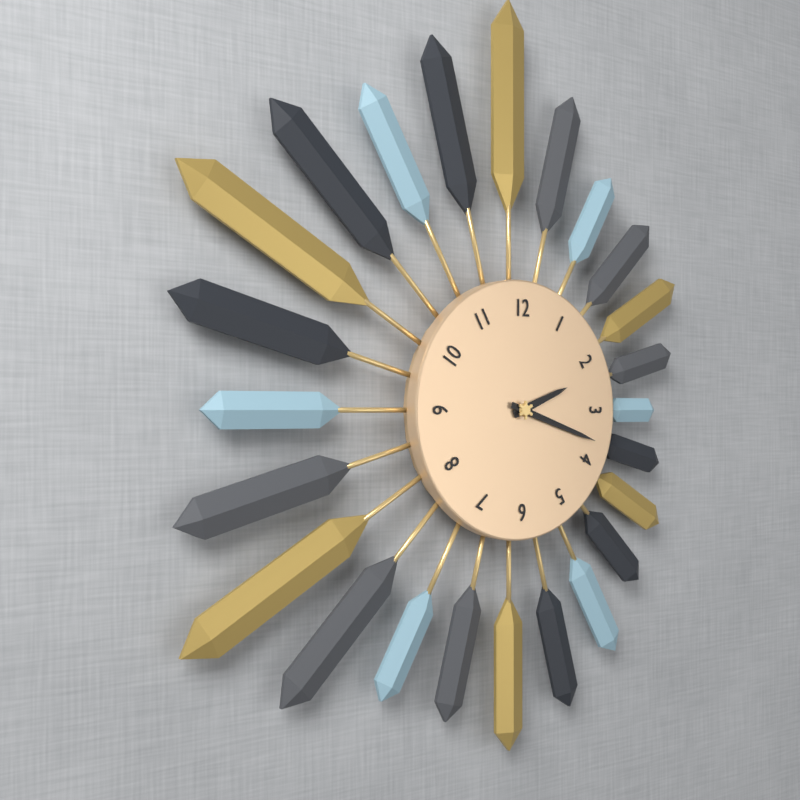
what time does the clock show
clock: 2:18
